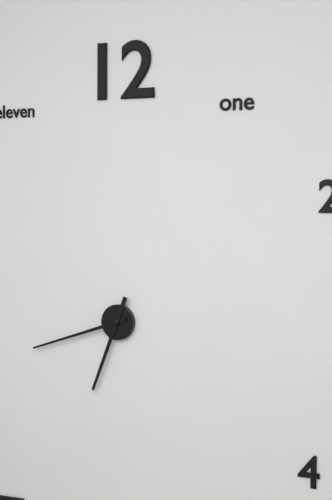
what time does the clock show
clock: 6:42
